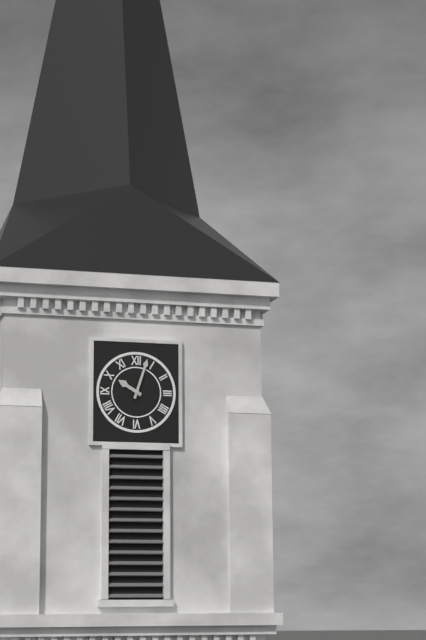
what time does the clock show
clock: 10:03
